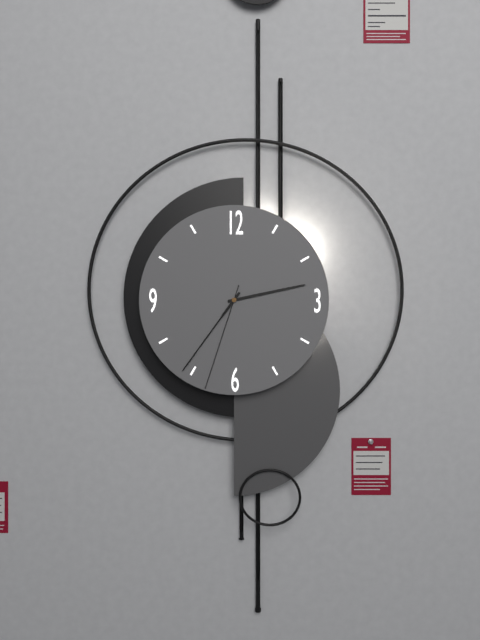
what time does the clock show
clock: 2:36:33
